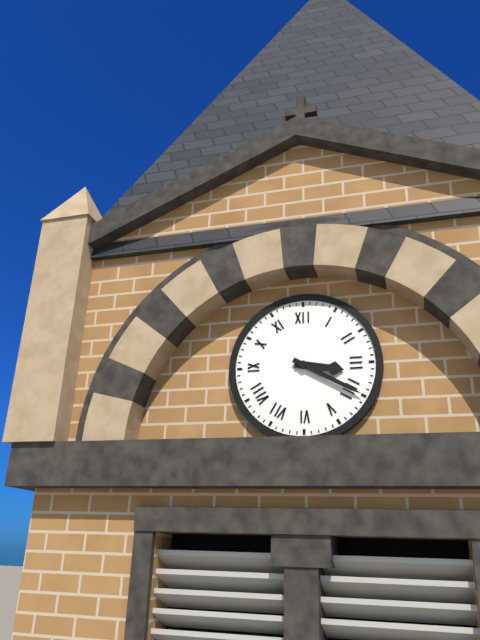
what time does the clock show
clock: 3:20
